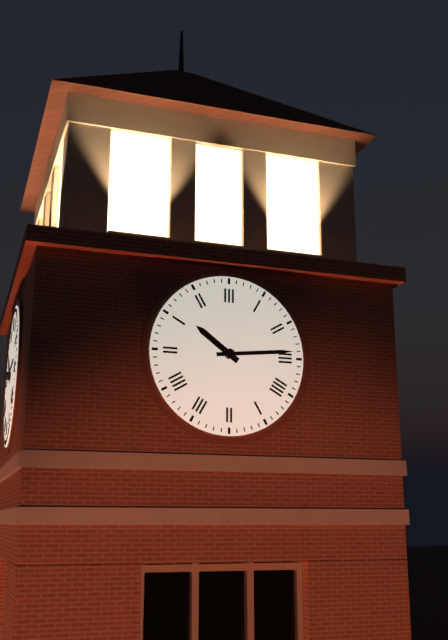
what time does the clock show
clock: 10:14
